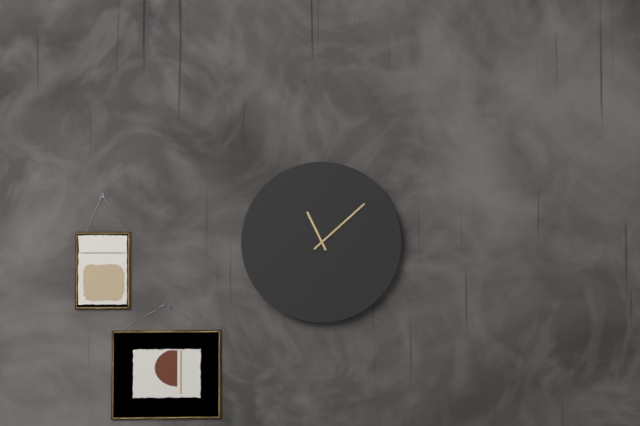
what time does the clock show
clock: 11:08
